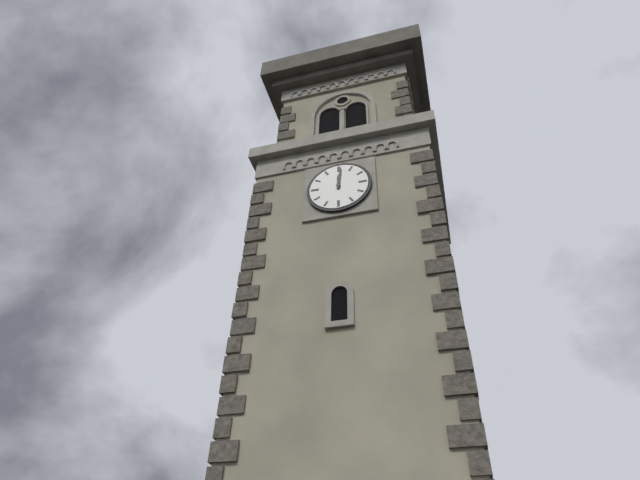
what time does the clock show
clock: 12:01
